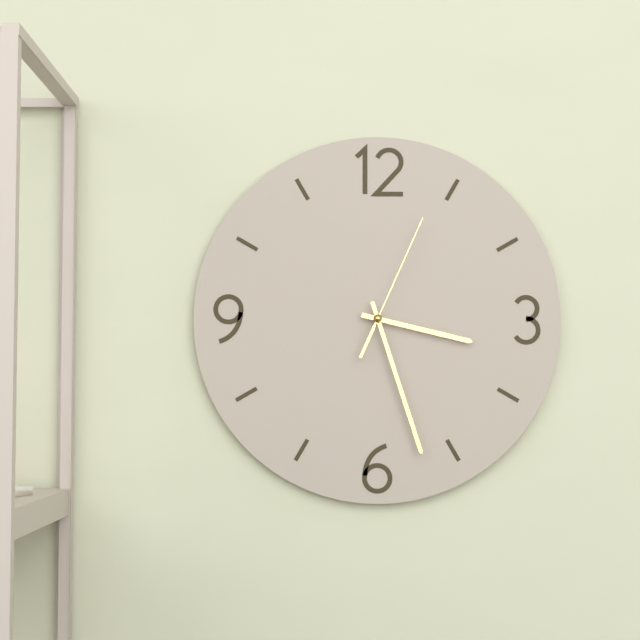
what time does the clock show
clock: 3:27:04
